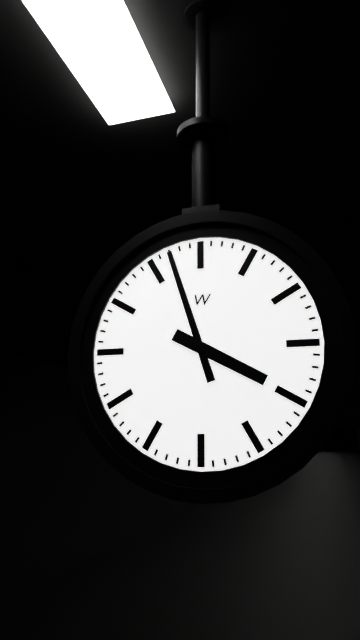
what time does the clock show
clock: 3:57
